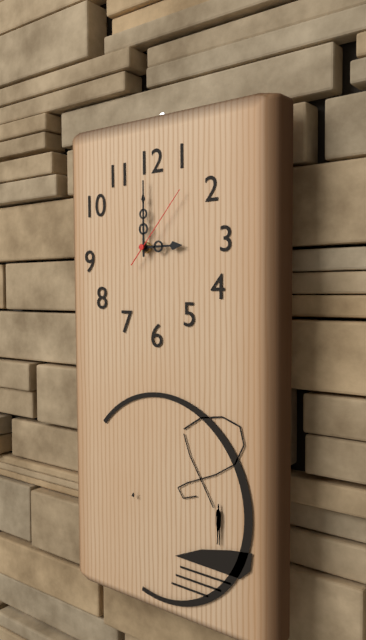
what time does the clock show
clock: 3:00:07
